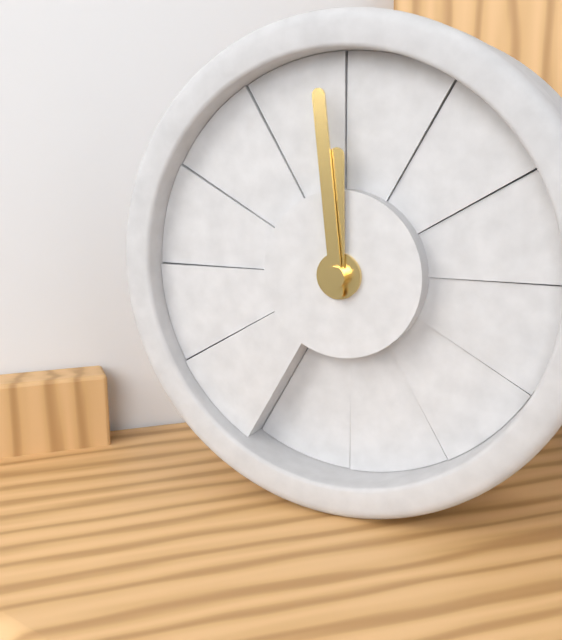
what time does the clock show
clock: 11:59
